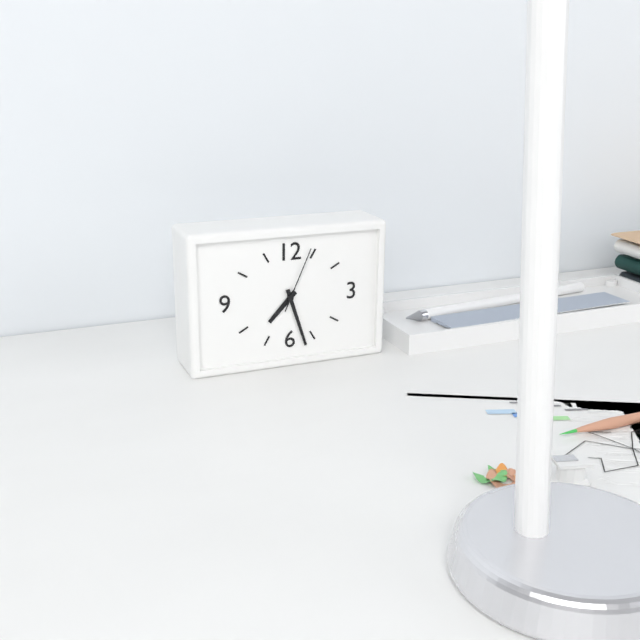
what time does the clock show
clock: 7:27:04
